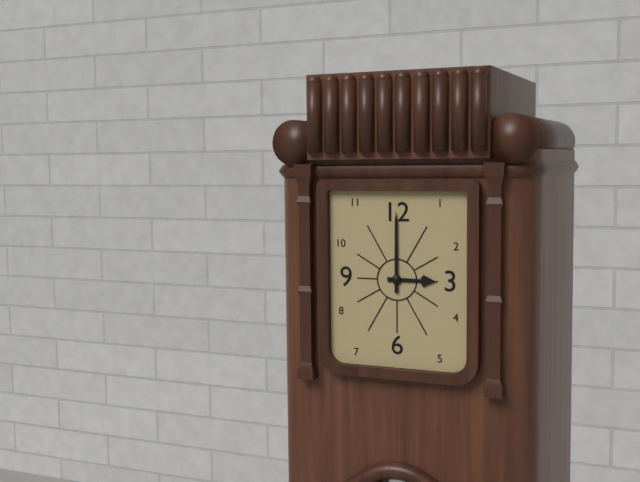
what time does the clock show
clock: 3:00
